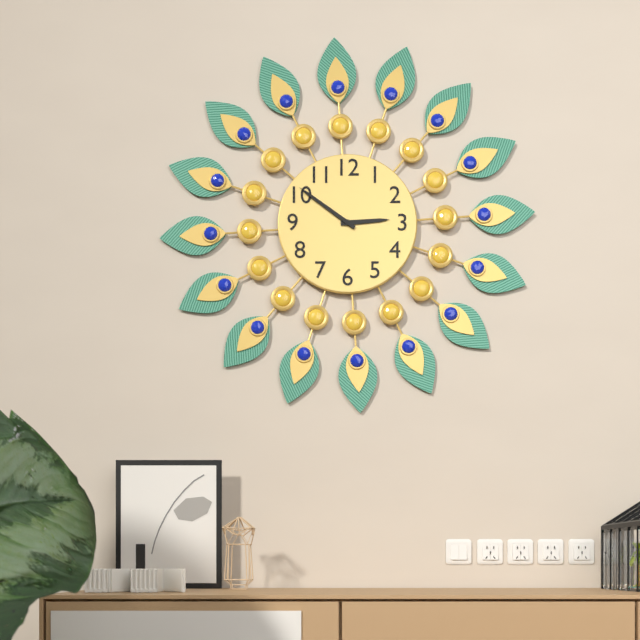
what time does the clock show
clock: 2:51
